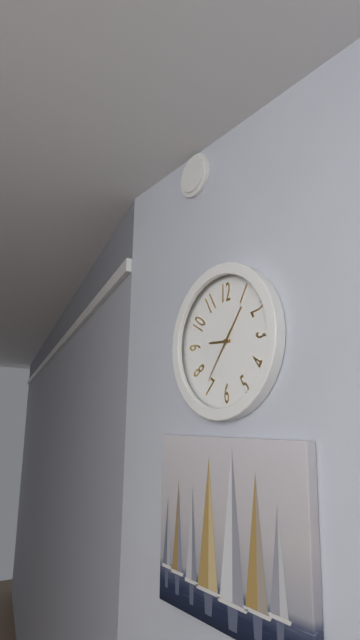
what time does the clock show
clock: 9:06:36
